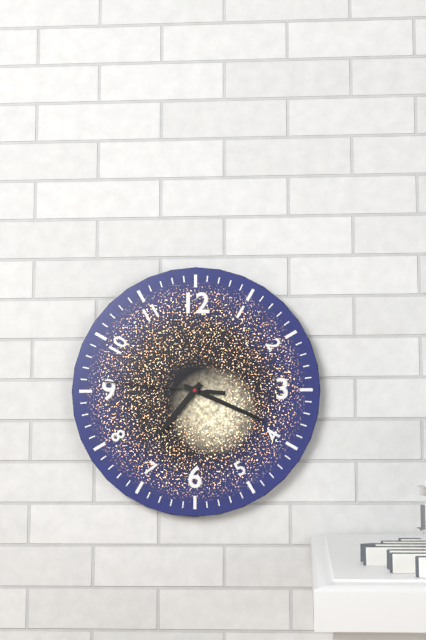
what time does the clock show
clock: 7:19:46
